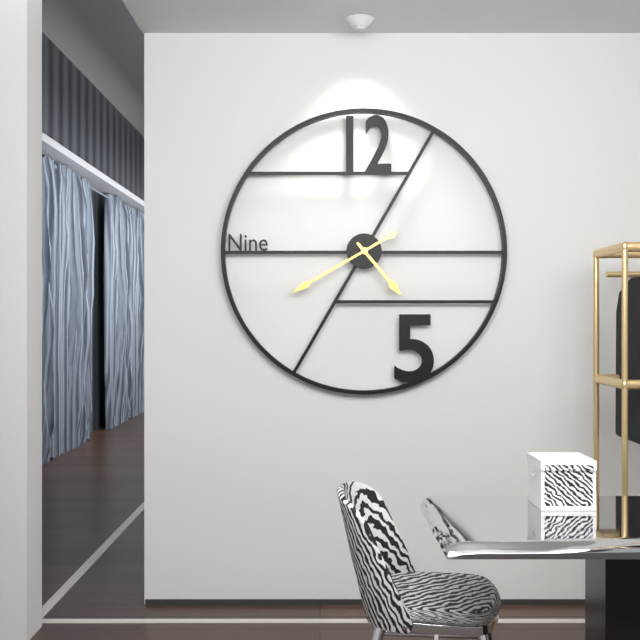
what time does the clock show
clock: 4:40
